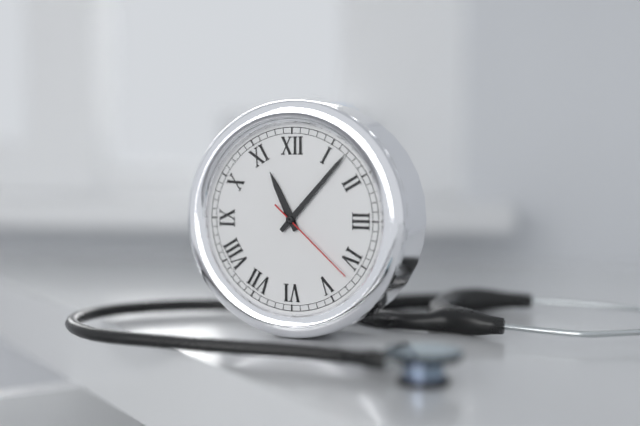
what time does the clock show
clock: 11:07:22
